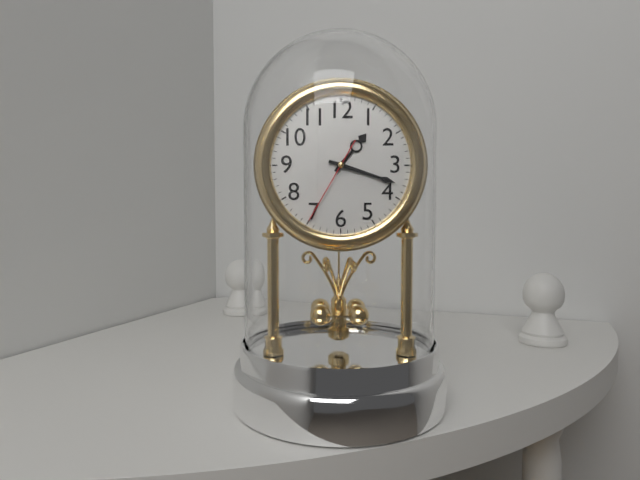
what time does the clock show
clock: 1:18:35
